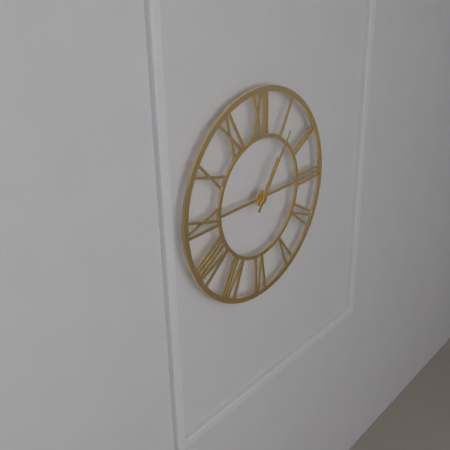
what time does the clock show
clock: 1:06
